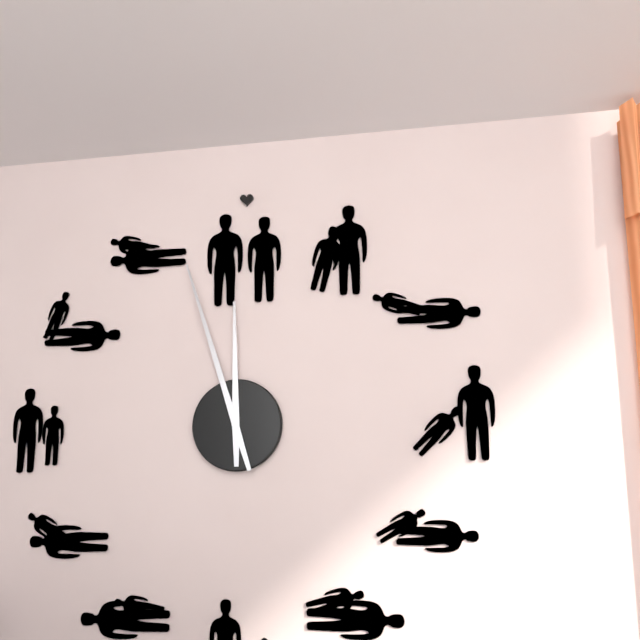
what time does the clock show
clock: 11:57
